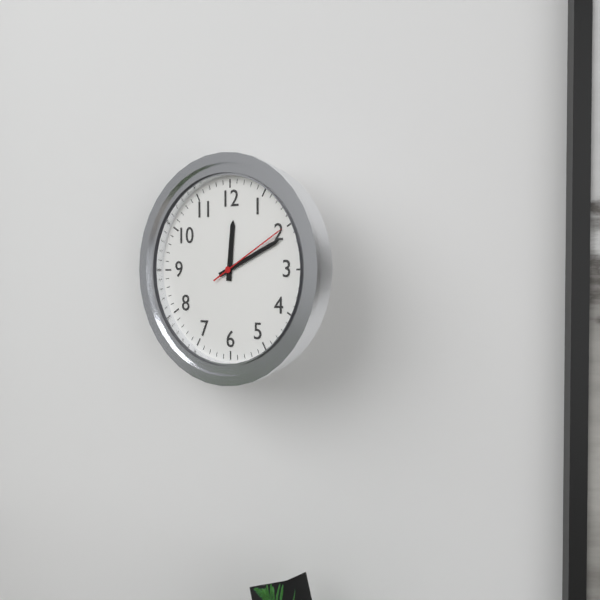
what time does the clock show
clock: 12:11:10
